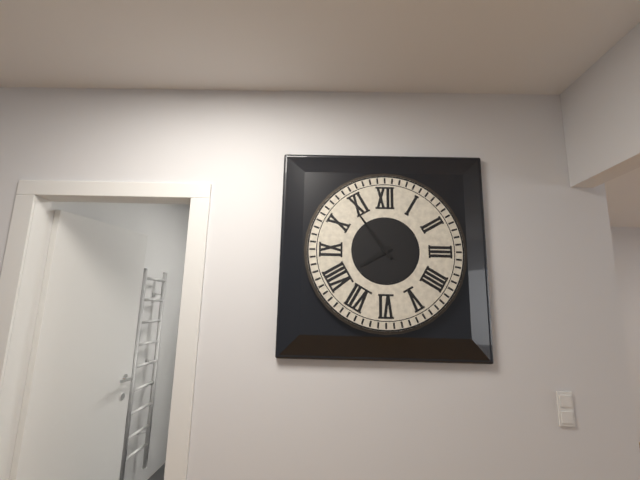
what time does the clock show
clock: 7:54
